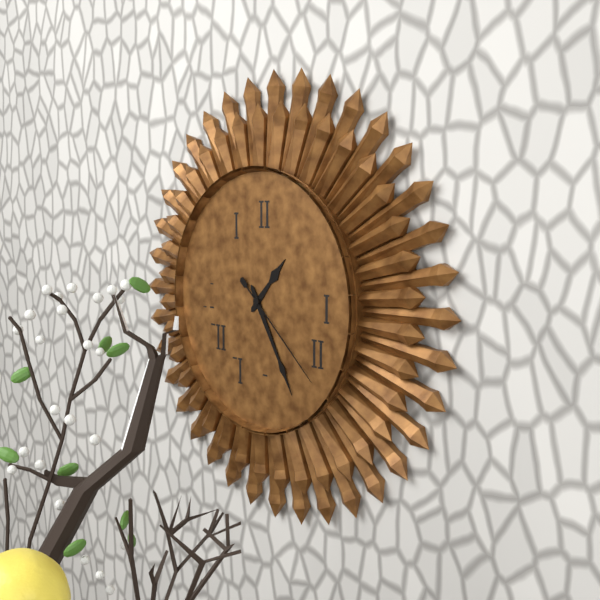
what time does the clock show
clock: 1:25:22
